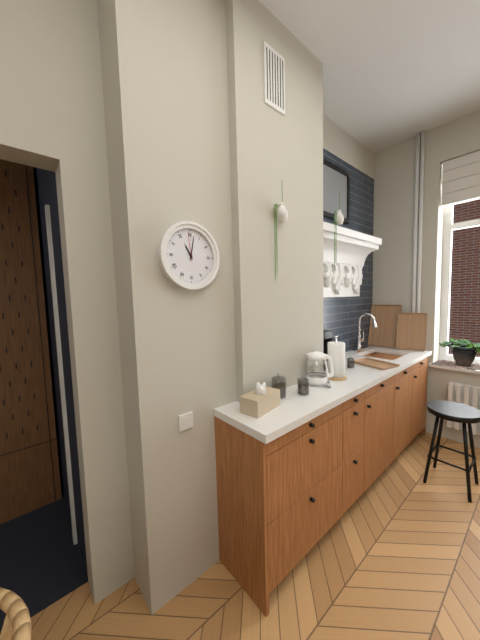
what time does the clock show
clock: 11:02
